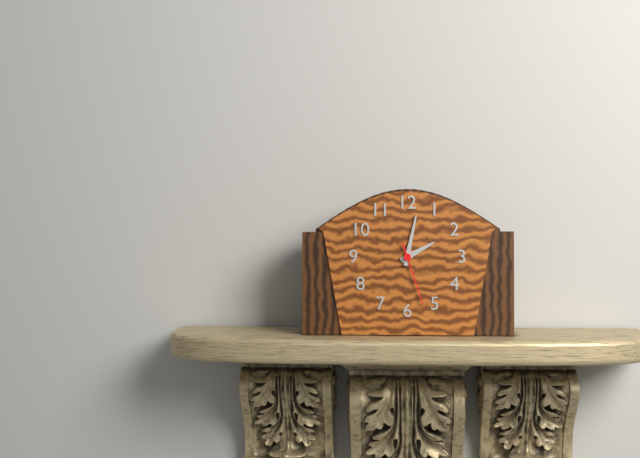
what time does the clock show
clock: 2:02:27
